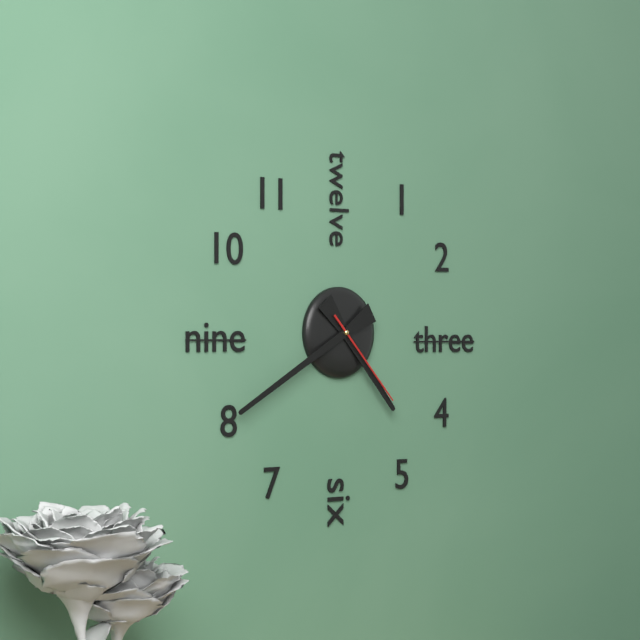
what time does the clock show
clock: 4:40:23
